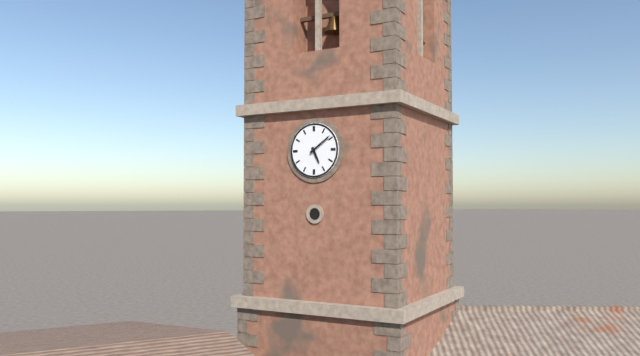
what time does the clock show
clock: 5:09
